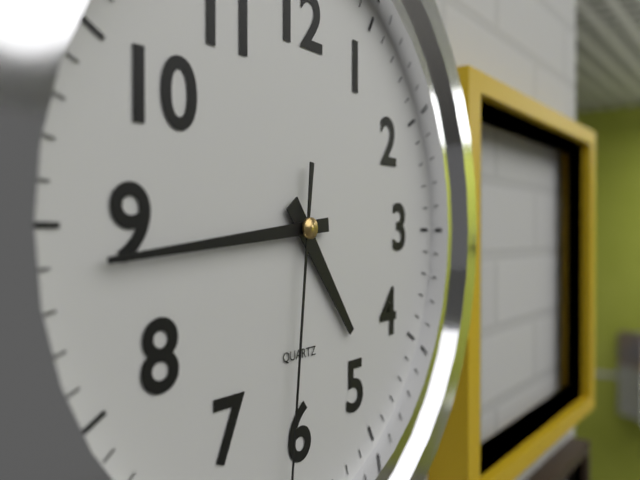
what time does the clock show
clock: 4:44
